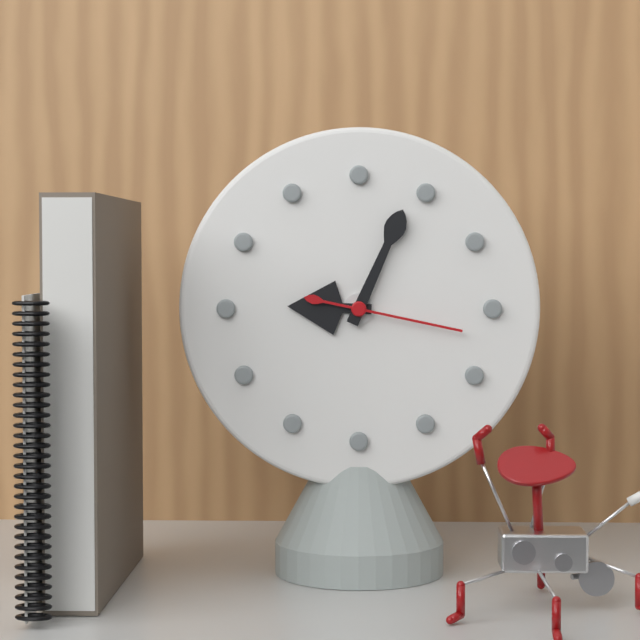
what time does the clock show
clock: 9:04:17
